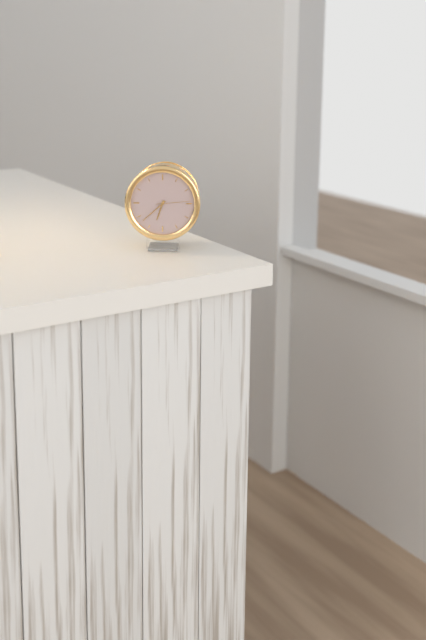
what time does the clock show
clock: 6:38
